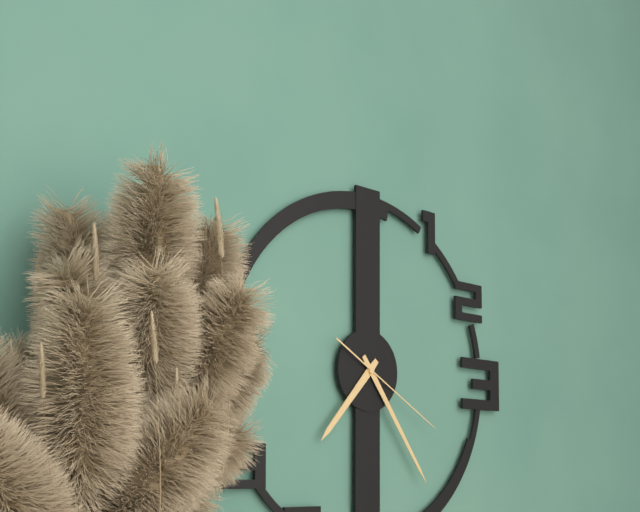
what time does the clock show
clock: 7:24:20
